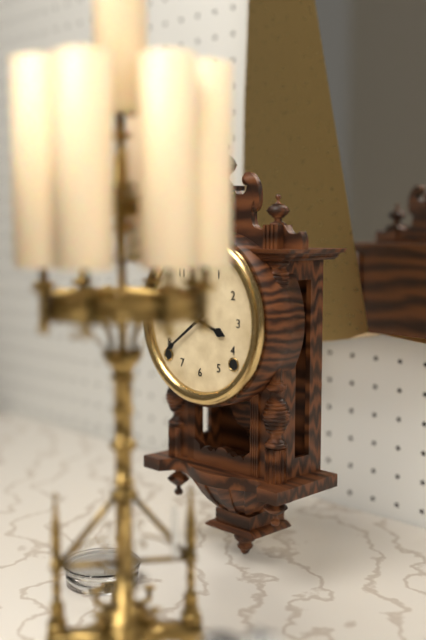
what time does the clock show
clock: 3:39
